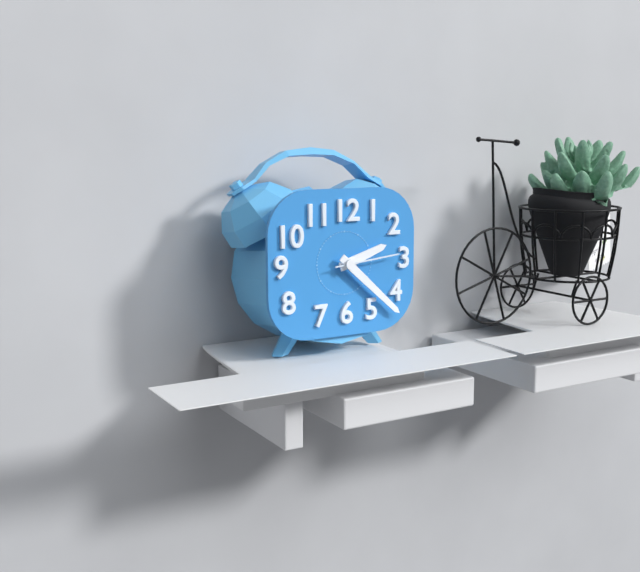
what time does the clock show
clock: 2:22:14
